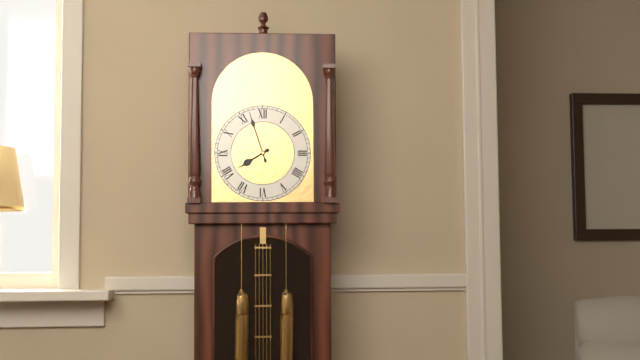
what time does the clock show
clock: 7:57
